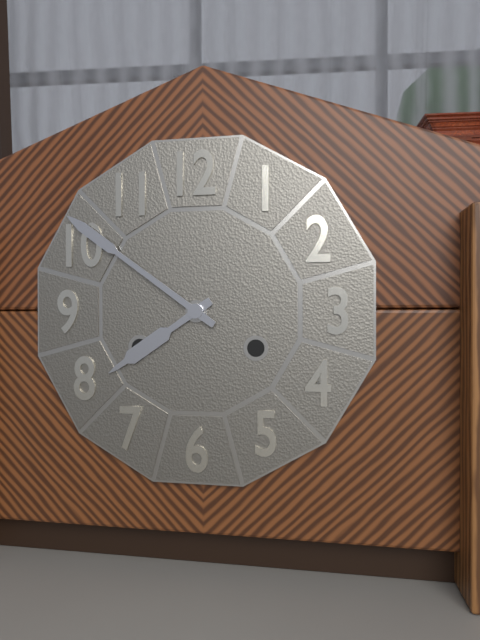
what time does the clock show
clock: 7:51
